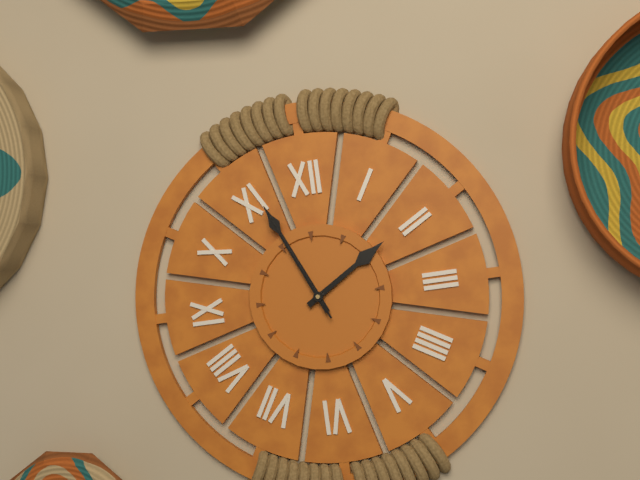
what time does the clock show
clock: 1:56:56
